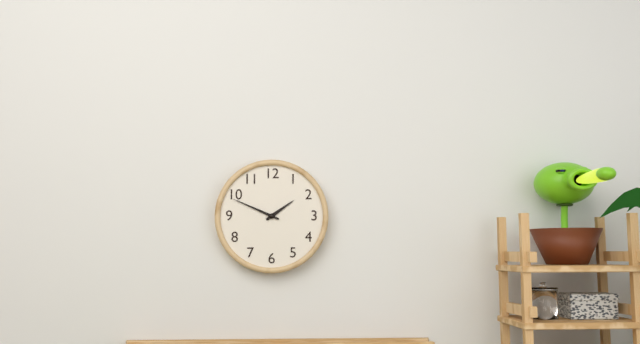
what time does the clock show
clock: 1:49
